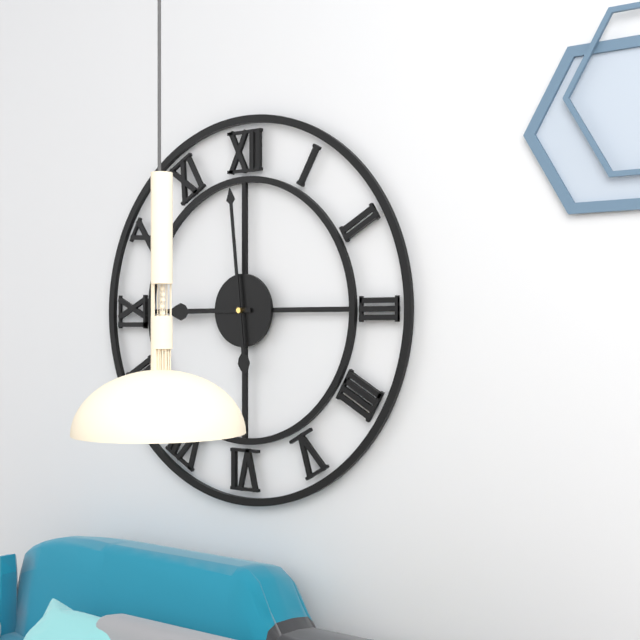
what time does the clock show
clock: 8:59
